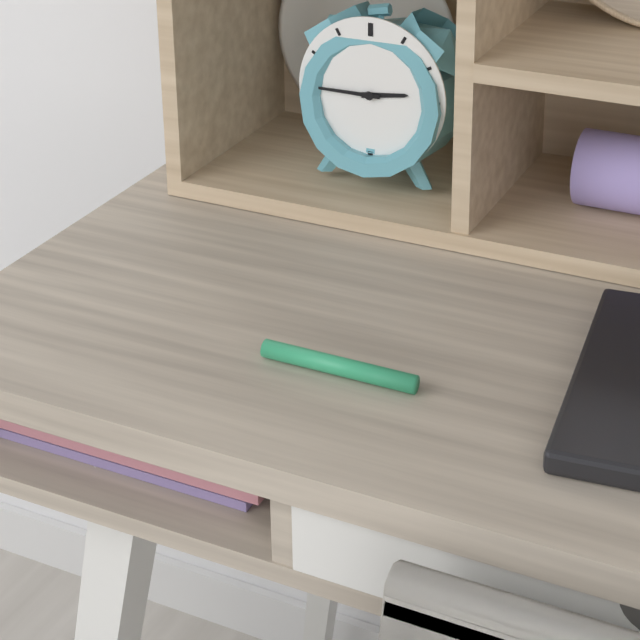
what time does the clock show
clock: 2:45
